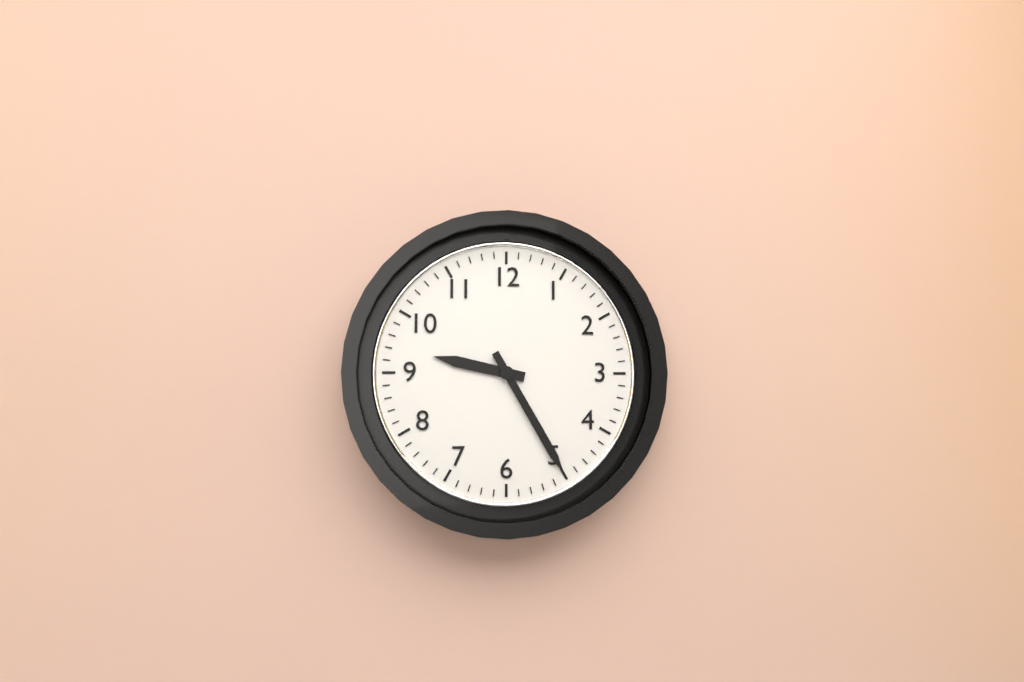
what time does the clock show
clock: 9:25
